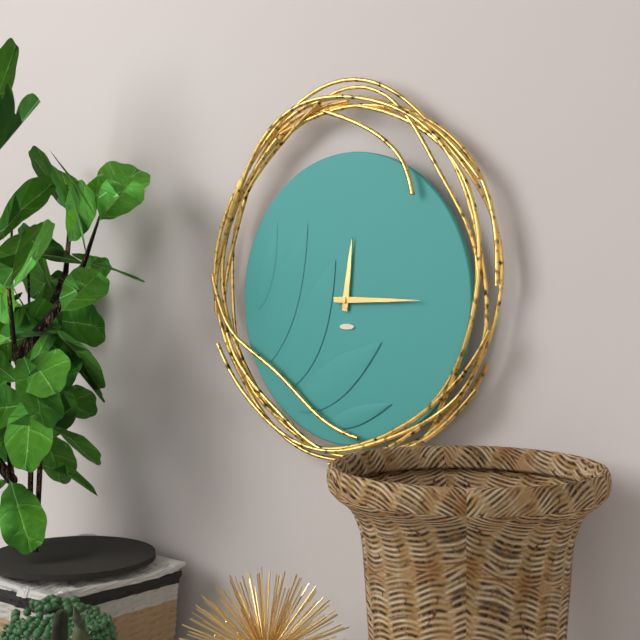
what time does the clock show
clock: 12:15
